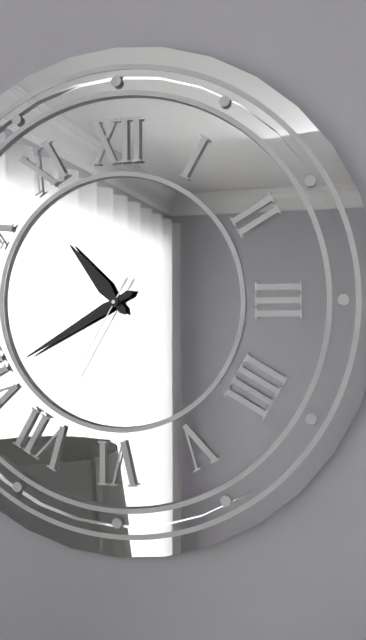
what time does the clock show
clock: 10:40:35
